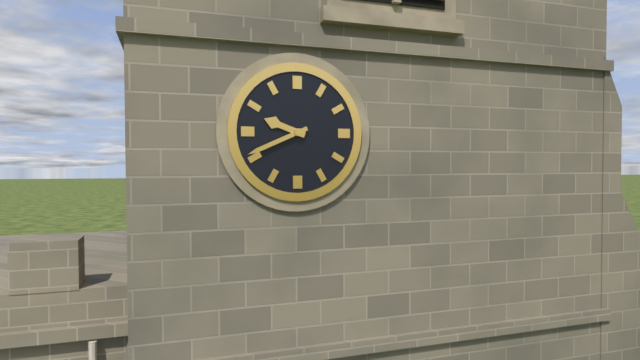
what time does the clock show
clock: 9:41
